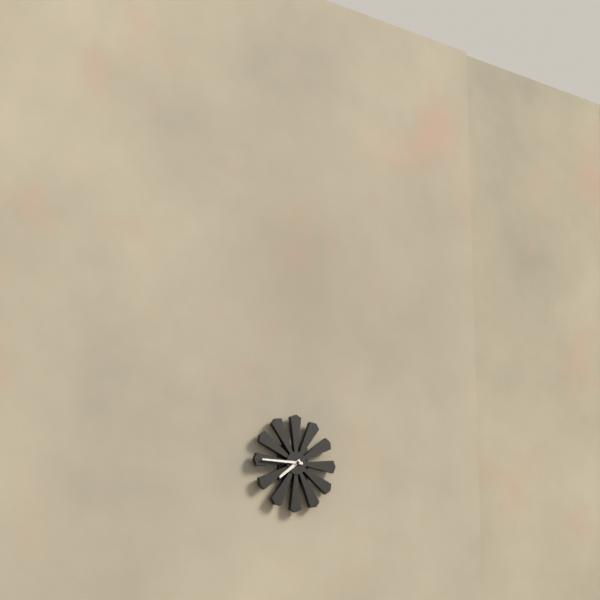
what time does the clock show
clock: 7:45
